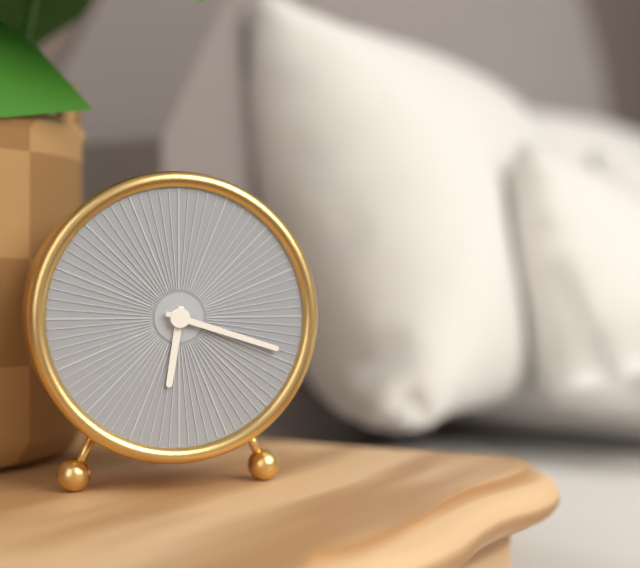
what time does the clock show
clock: 6:18
